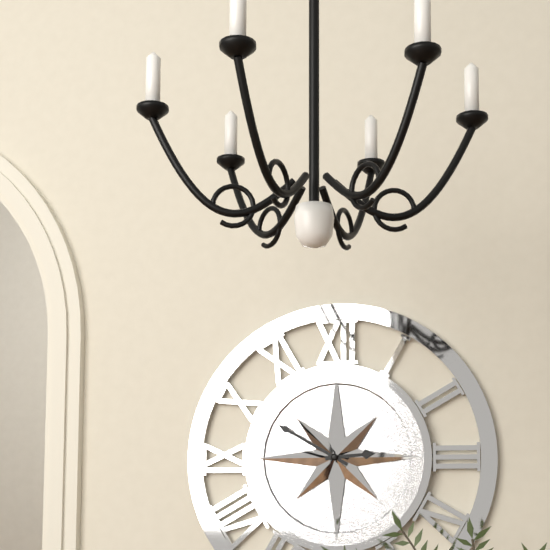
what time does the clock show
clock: 2:50
